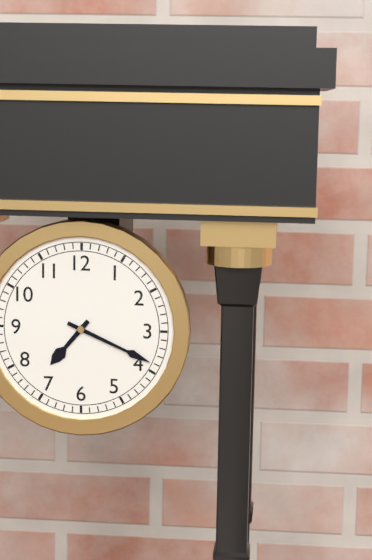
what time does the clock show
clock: 7:19
